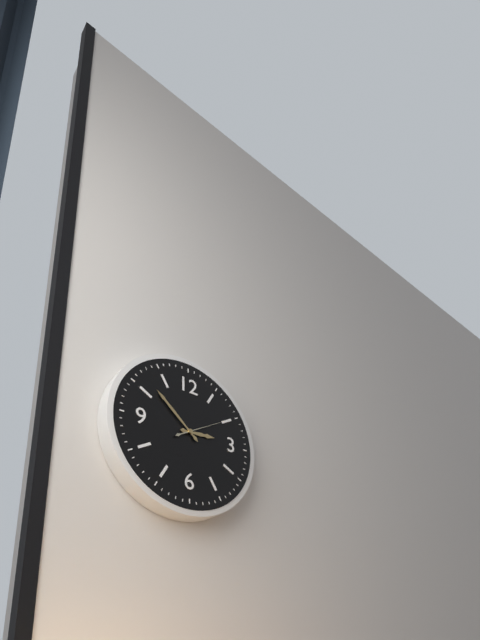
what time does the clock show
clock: 2:52:10
